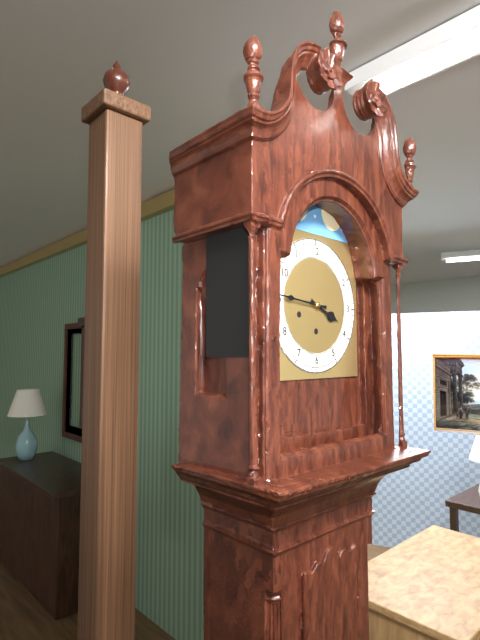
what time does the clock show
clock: 3:46
